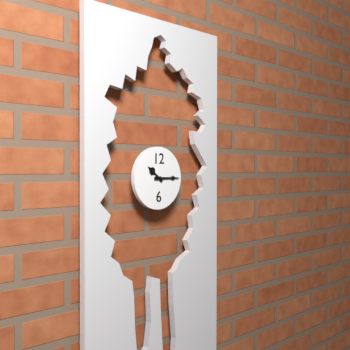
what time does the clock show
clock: 10:15
